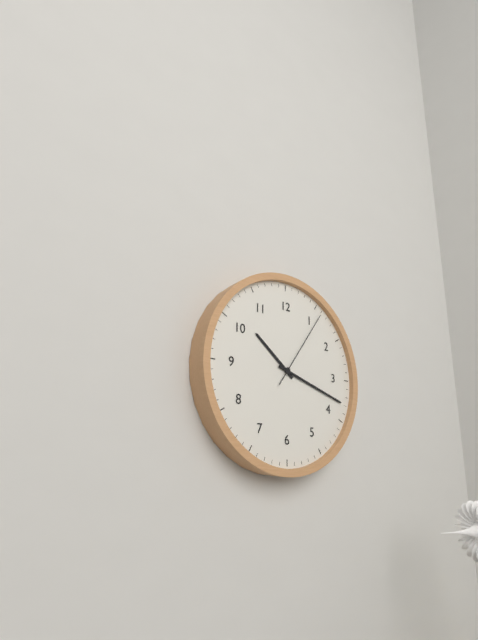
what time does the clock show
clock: 10:18:06
